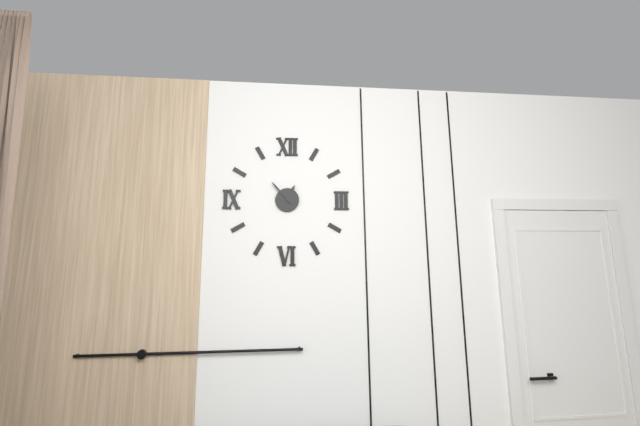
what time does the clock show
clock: 12:53
